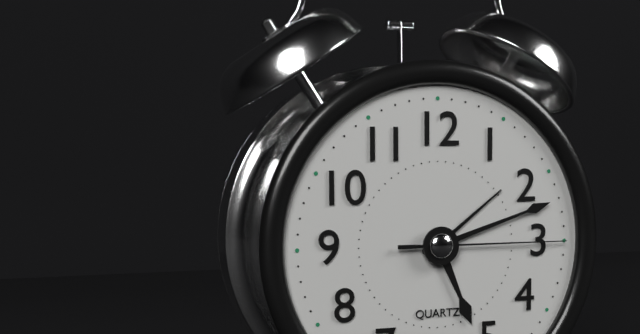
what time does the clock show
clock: 5:12:15
